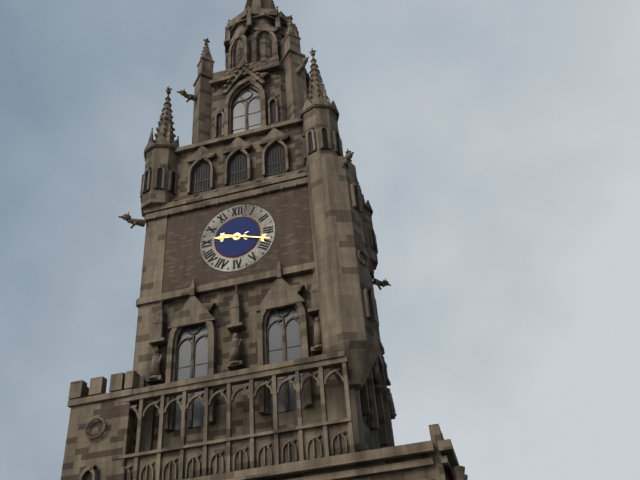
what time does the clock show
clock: 9:18
